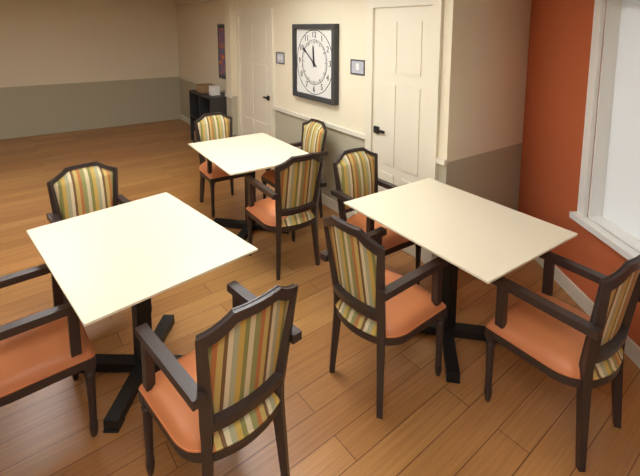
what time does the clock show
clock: 11:51
